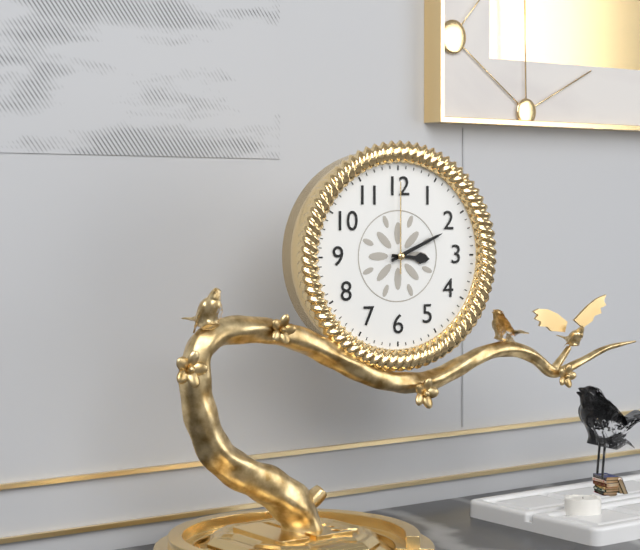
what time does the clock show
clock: 3:11:00
